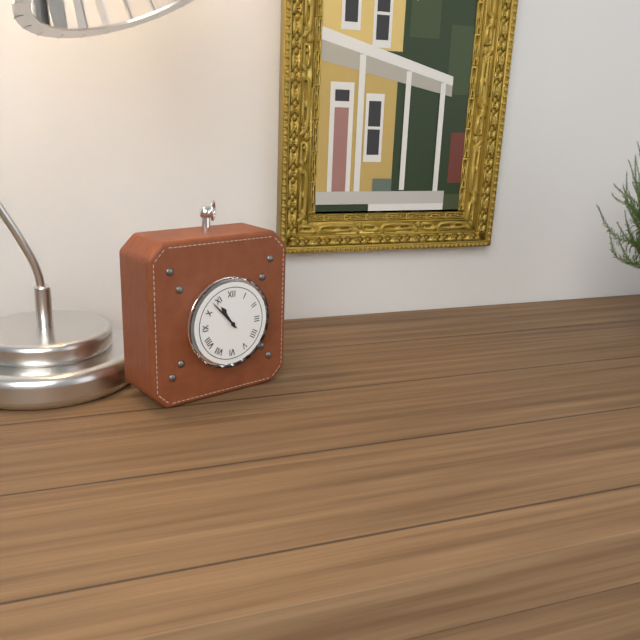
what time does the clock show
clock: 10:53
